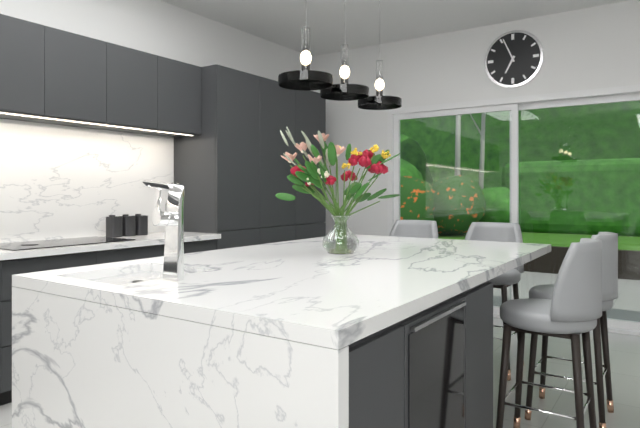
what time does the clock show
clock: 6:56
